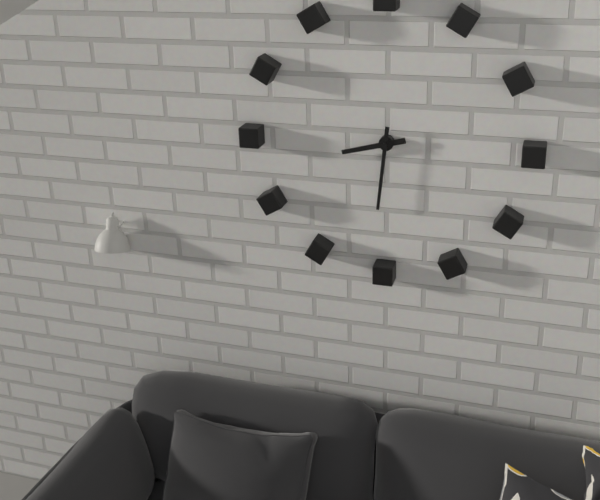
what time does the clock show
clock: 8:31
